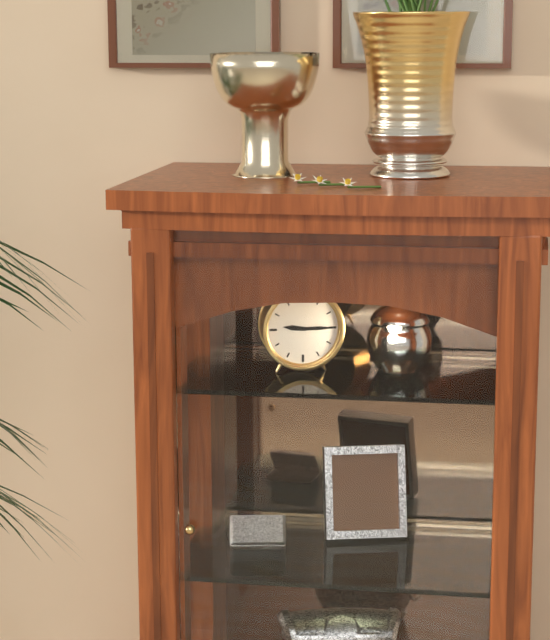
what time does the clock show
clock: 9:15
